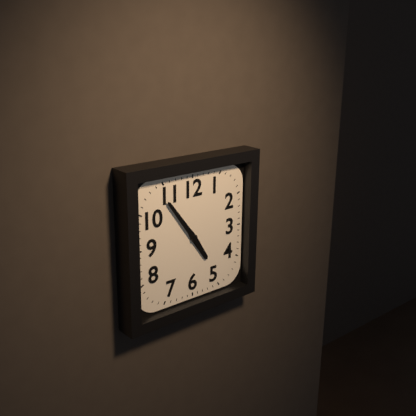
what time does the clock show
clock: 4:54
